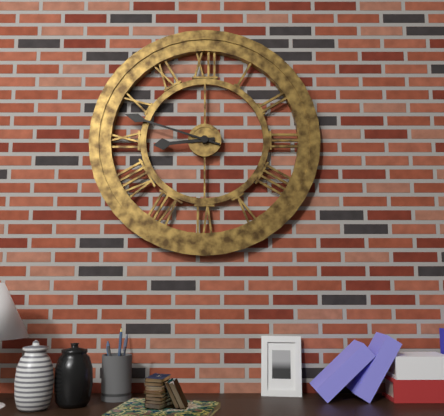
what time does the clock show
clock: 8:48
